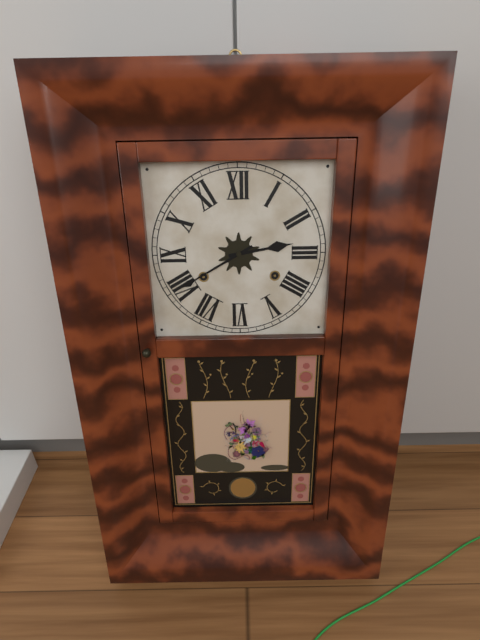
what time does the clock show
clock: 2:40
